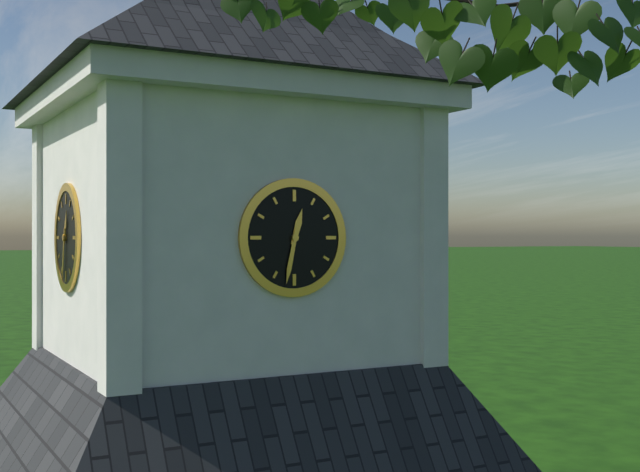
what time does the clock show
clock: 12:32
